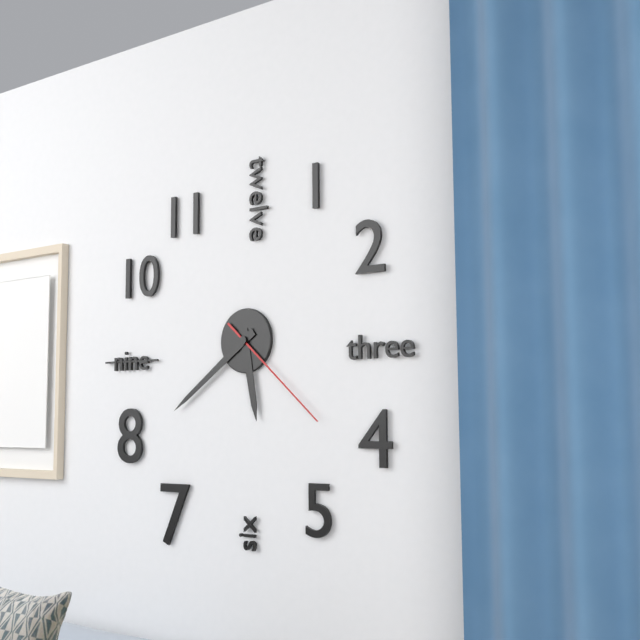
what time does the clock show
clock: 5:39:22
